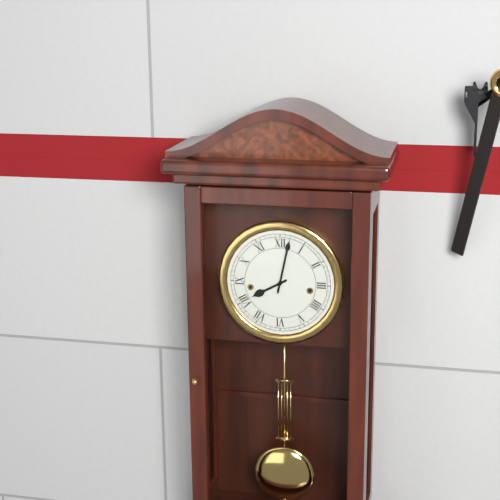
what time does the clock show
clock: 8:02
